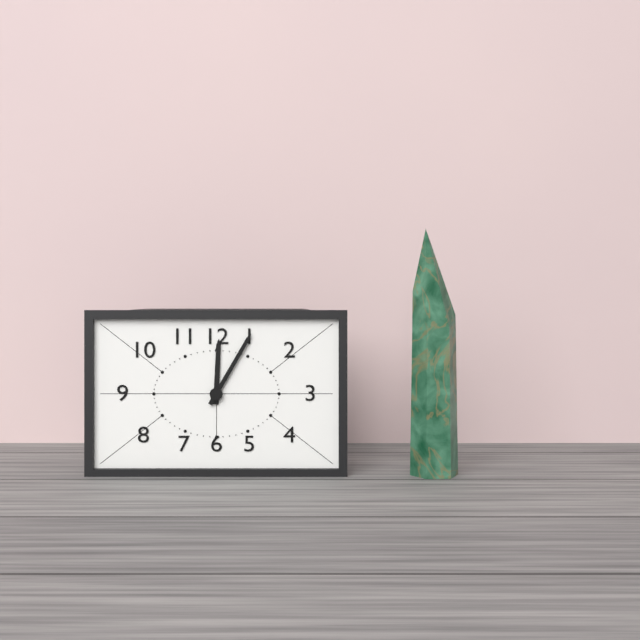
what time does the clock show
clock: 12:05
